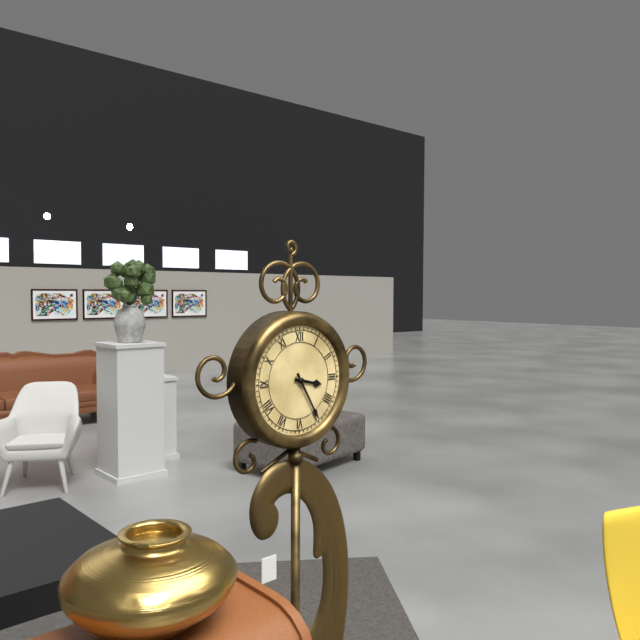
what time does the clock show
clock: 3:25
